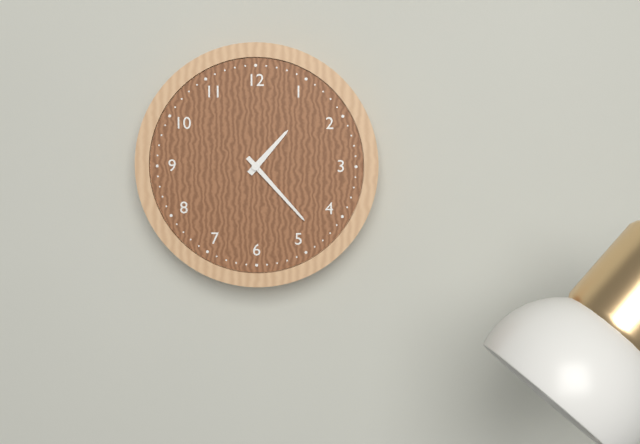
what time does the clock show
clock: 1:23
